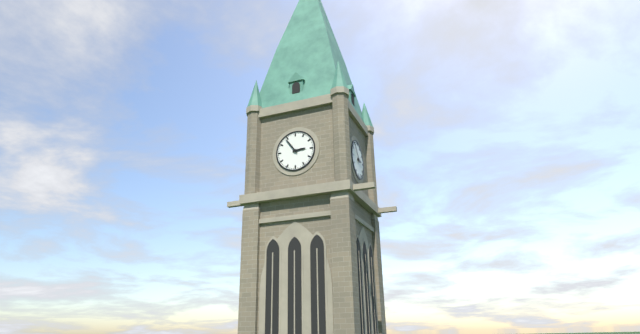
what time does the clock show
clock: 2:54
